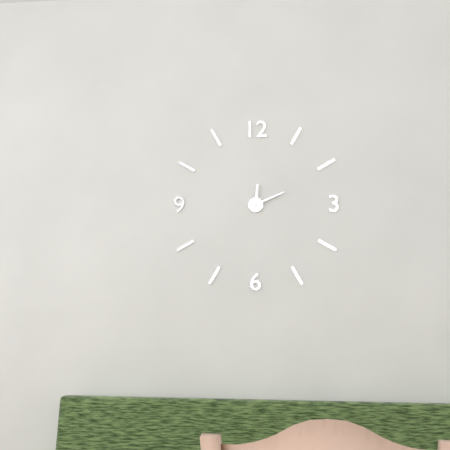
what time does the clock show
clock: 12:11
